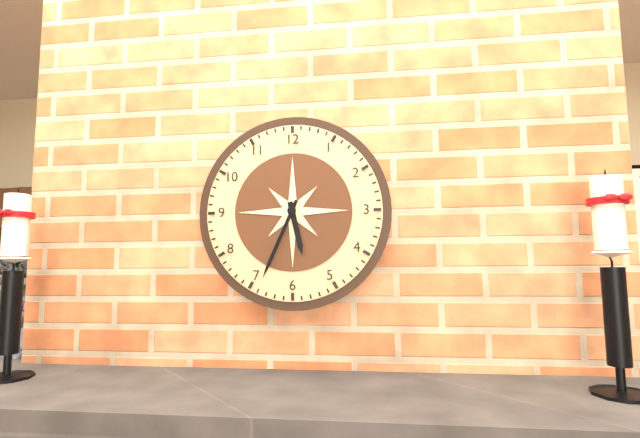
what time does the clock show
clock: 5:34
